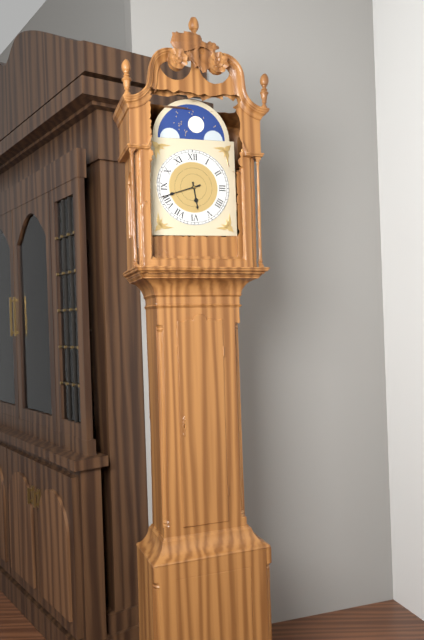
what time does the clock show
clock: 5:42
